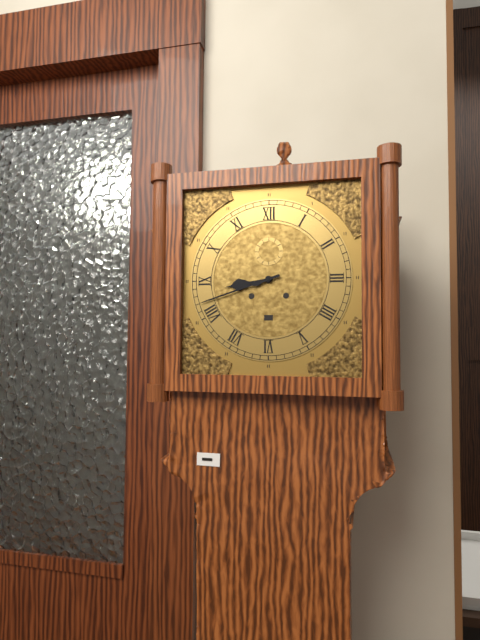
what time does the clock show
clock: 8:42
